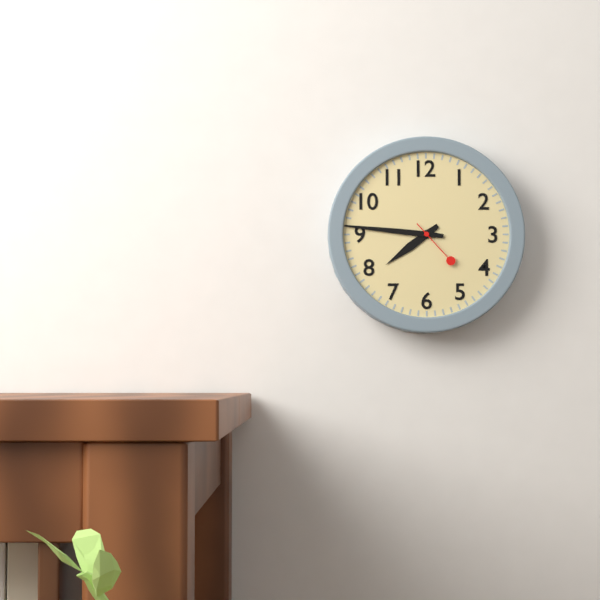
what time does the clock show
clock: 7:46:23
